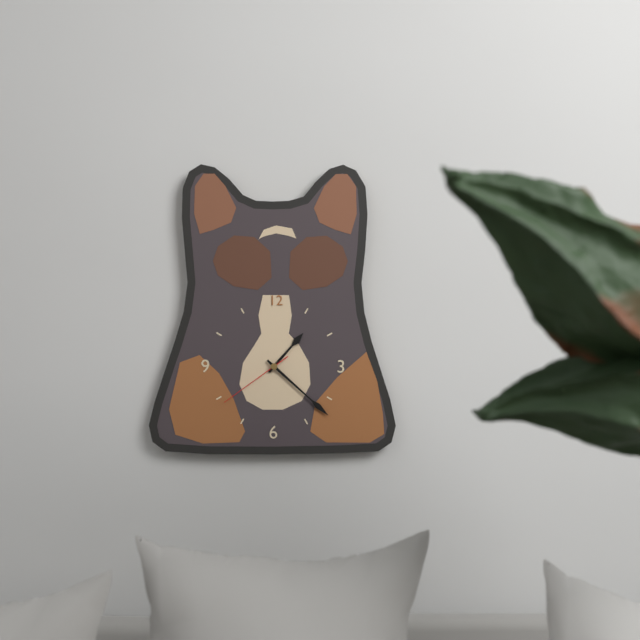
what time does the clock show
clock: 1:22:39
